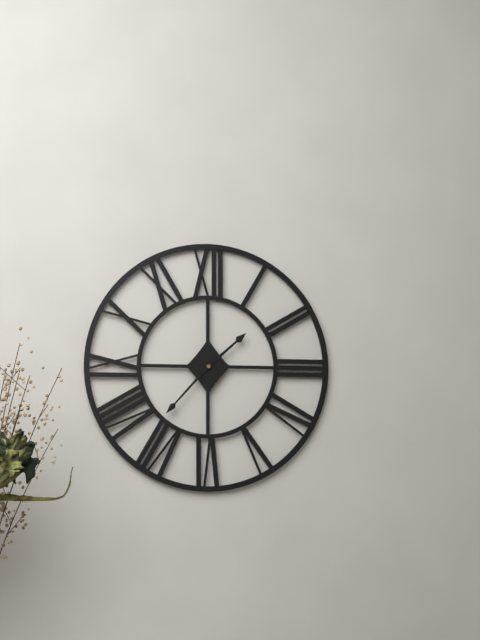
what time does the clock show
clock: 1:37
